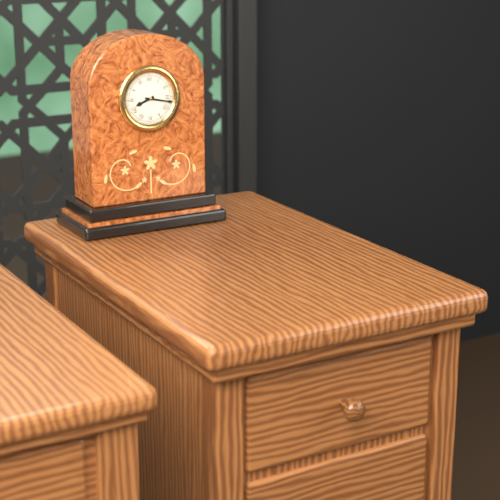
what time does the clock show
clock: 8:17
